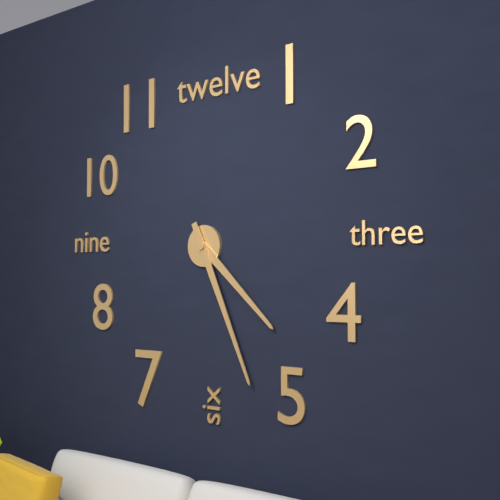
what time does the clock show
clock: 4:26
